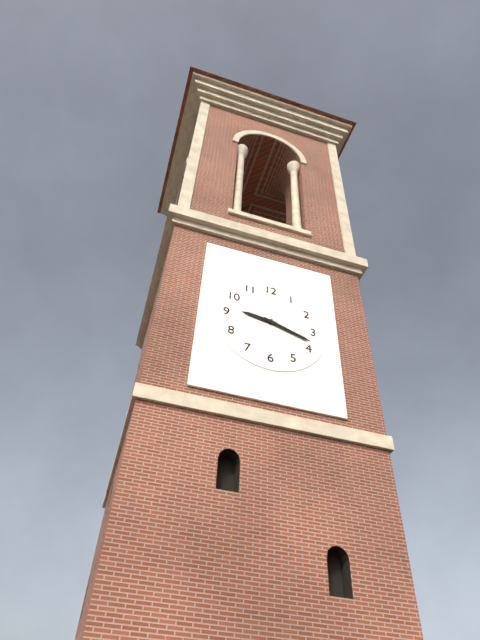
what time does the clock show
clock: 9:18
